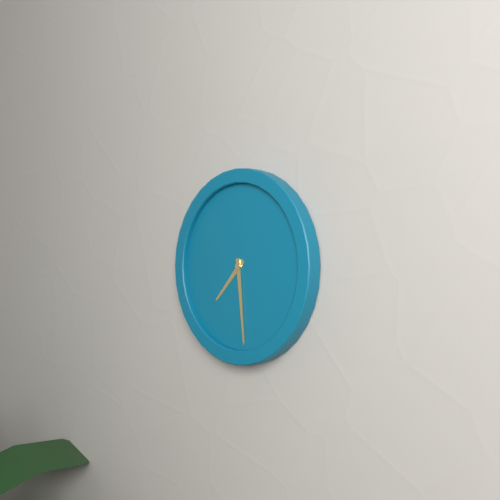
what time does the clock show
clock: 7:29
